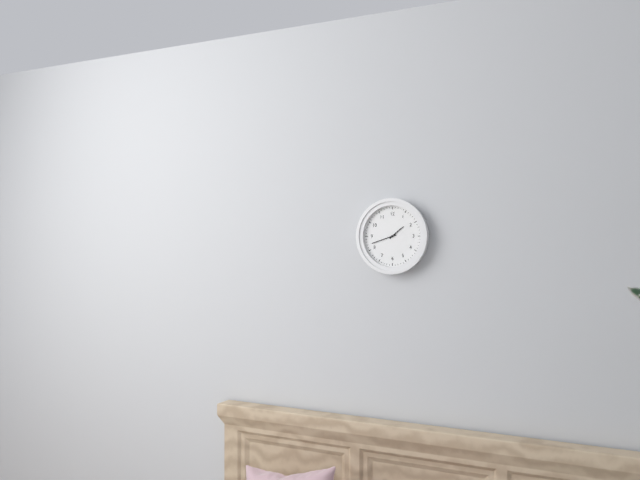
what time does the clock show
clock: 1:42
